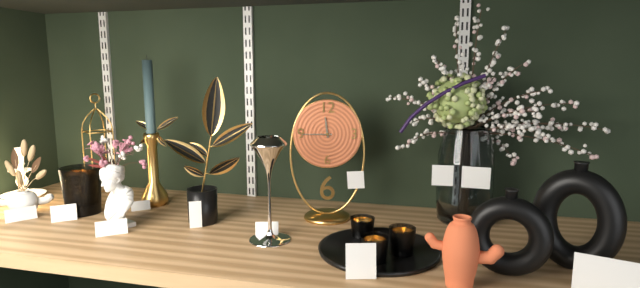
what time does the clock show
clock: 11:45
